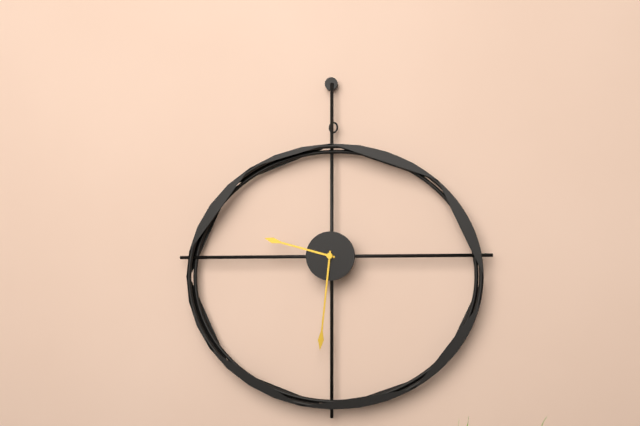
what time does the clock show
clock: 9:31
